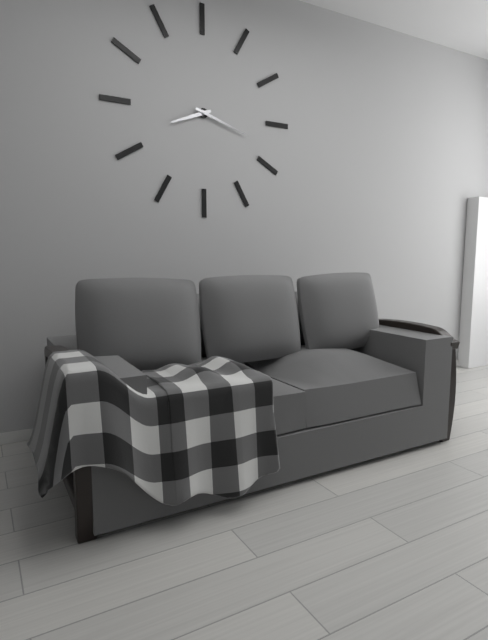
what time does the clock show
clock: 8:18
